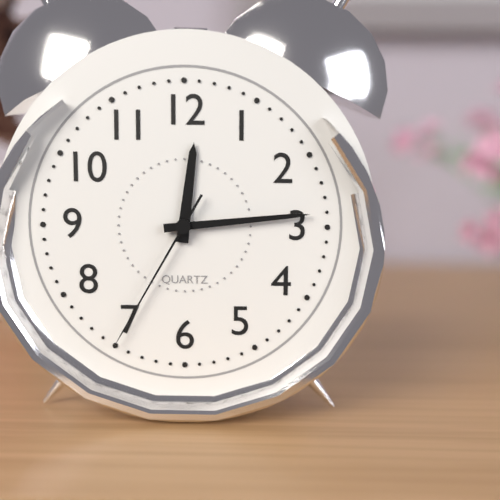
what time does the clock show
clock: 12:14:35
